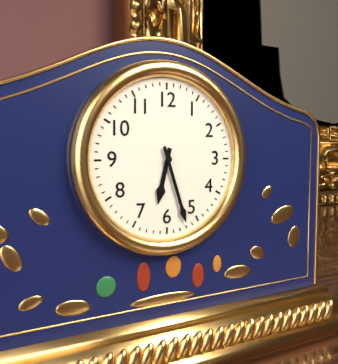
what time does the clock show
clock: 6:27
